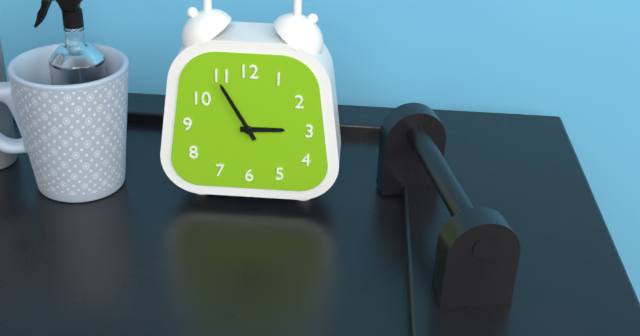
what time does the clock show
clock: 2:55
